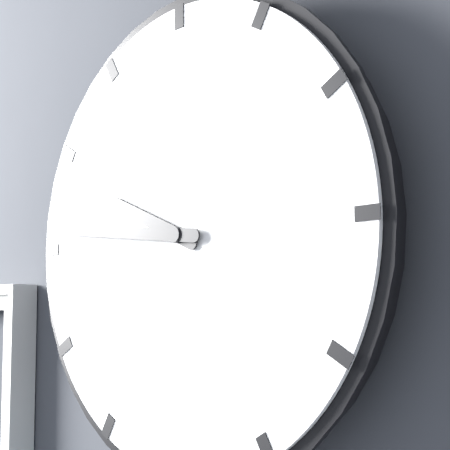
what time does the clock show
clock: 9:46
